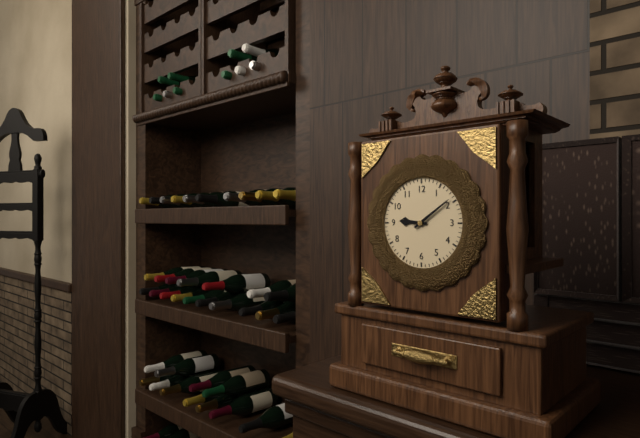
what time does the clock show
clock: 9:09
